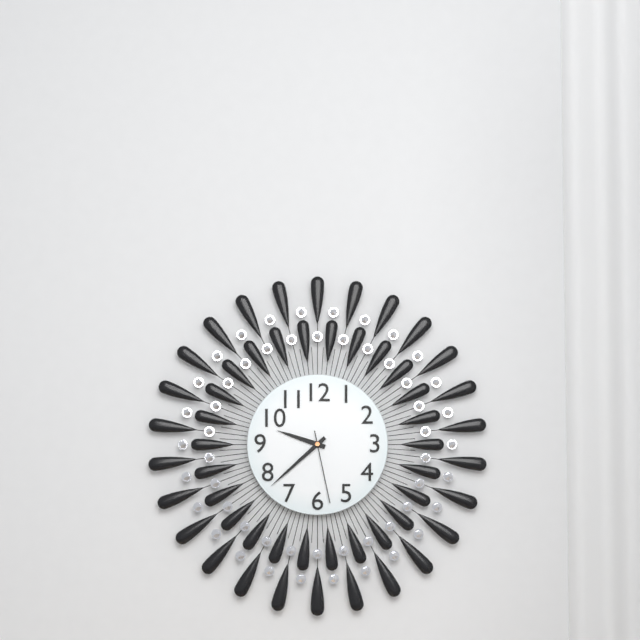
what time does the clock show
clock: 9:38:28
